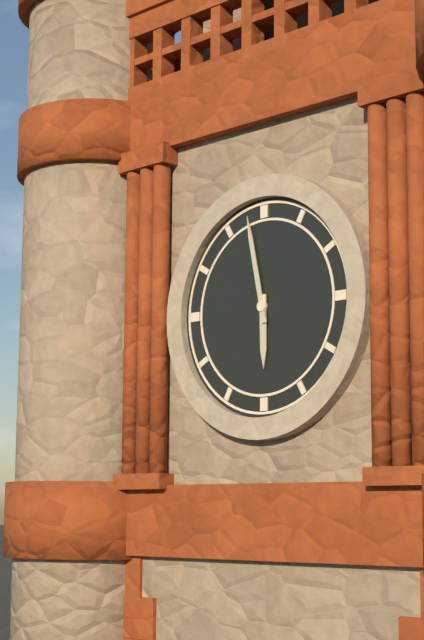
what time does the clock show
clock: 5:58
